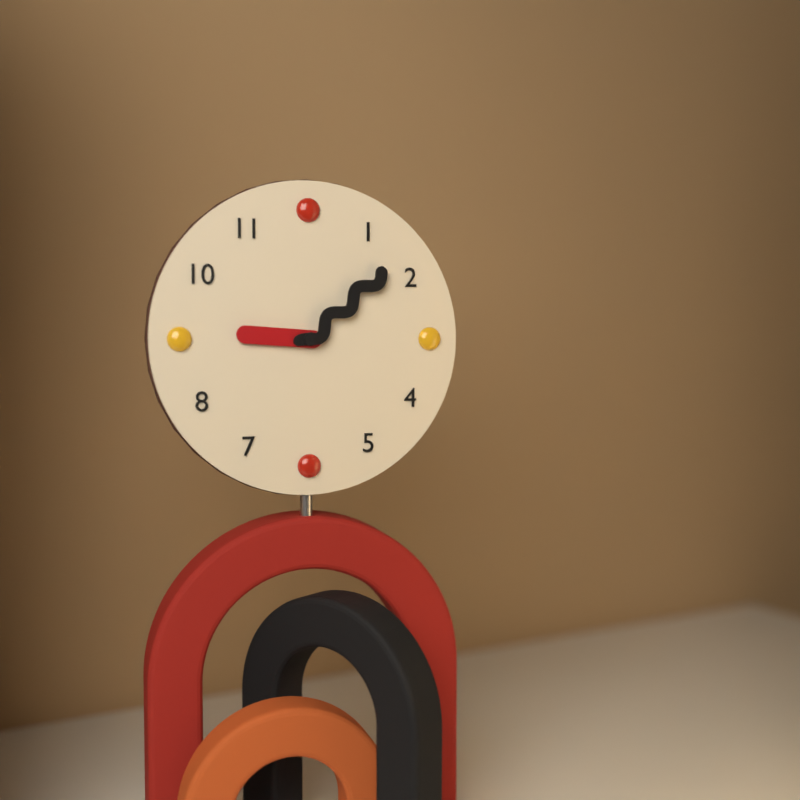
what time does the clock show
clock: 9:08
